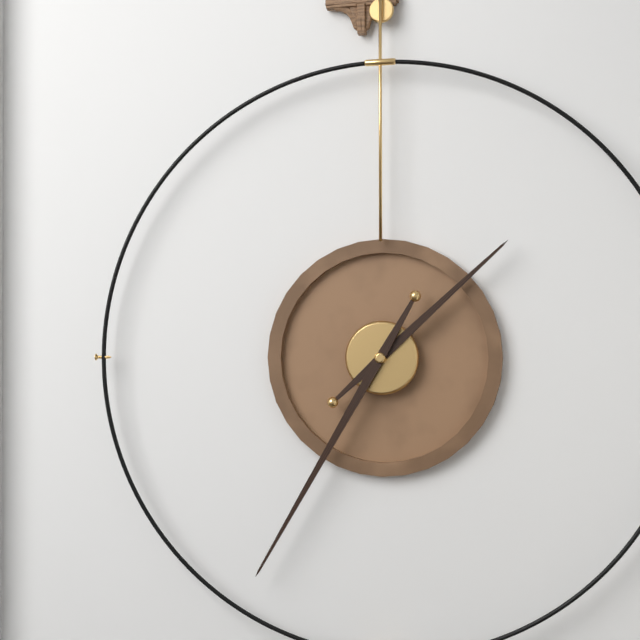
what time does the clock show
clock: 1:35
